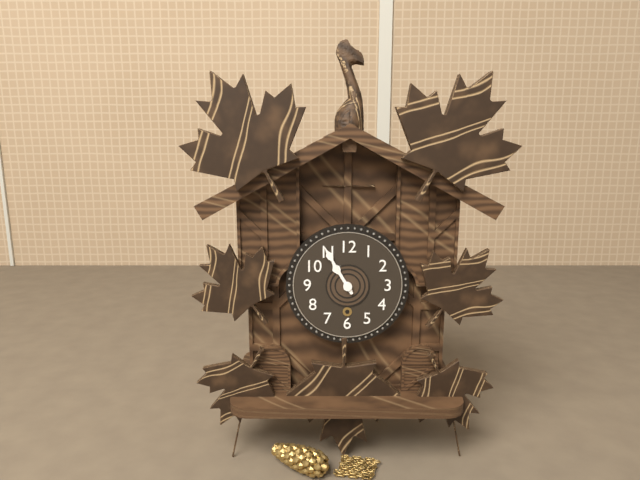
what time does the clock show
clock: 10:55
